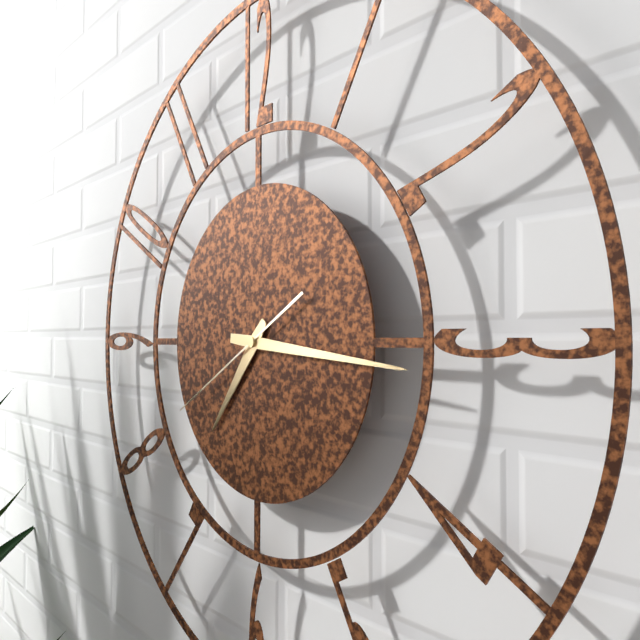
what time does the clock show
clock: 7:16:40
